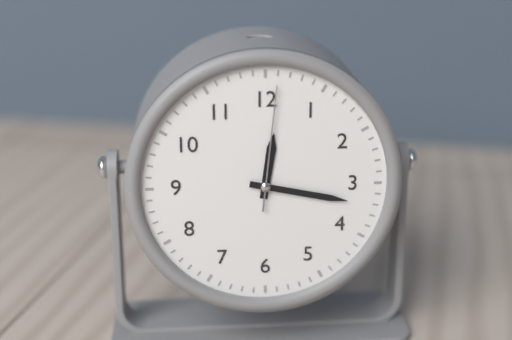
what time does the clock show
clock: 12:17:01
